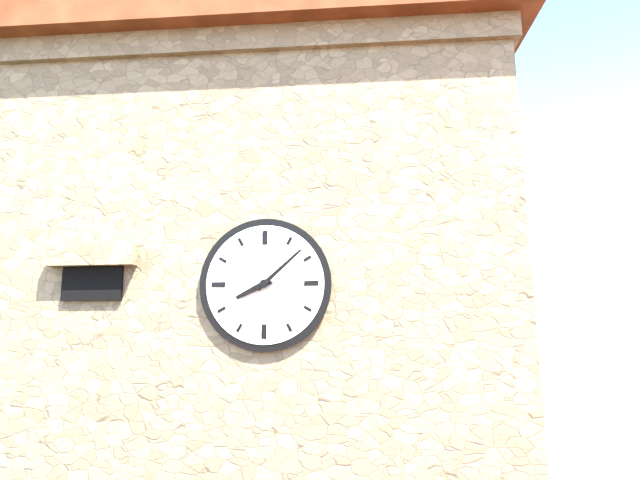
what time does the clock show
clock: 8:08
